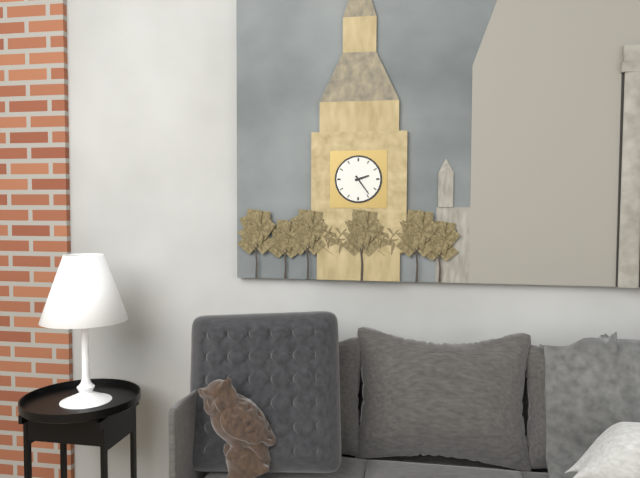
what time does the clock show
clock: 2:24
